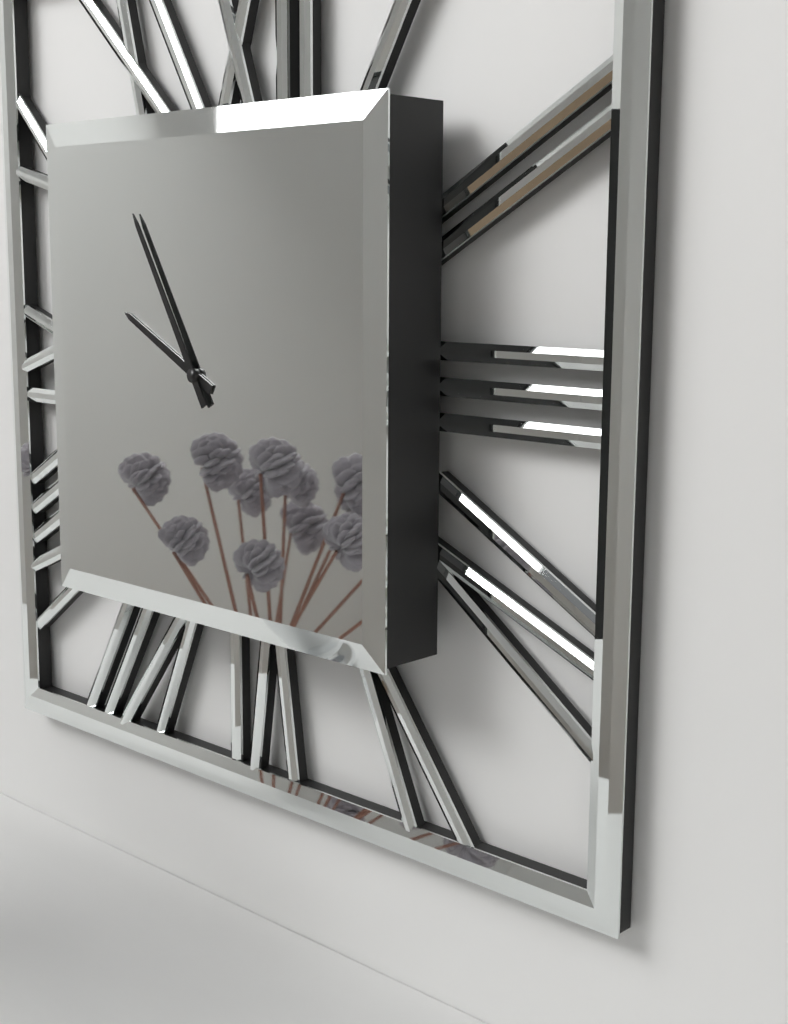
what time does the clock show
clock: 9:55
